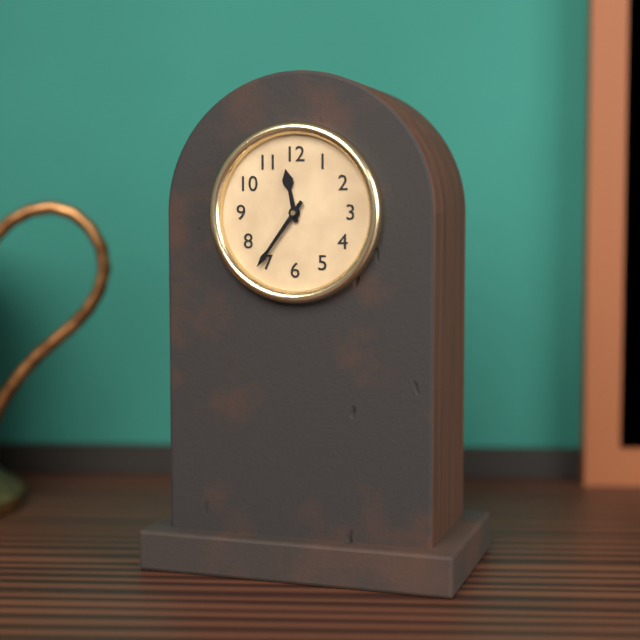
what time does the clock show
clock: 11:36
